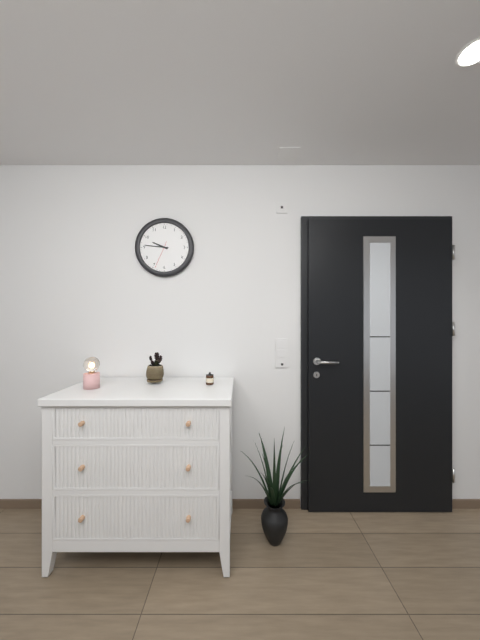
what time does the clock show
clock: 9:46
